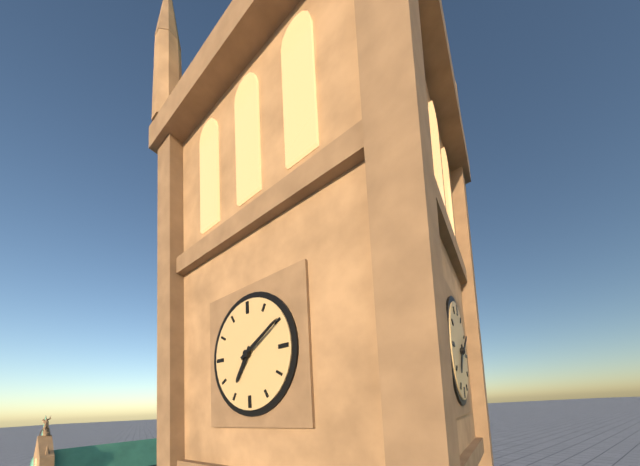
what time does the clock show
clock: 7:10
